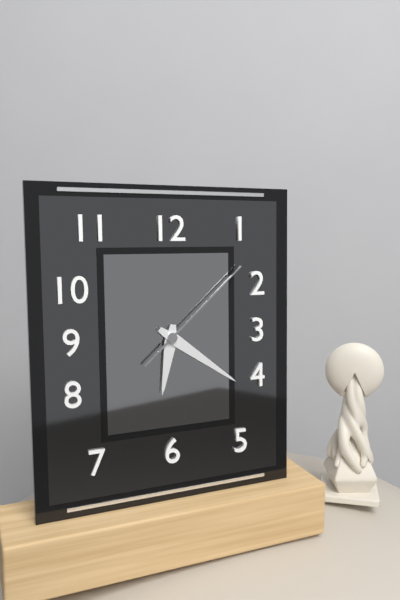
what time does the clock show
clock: 6:21:08
